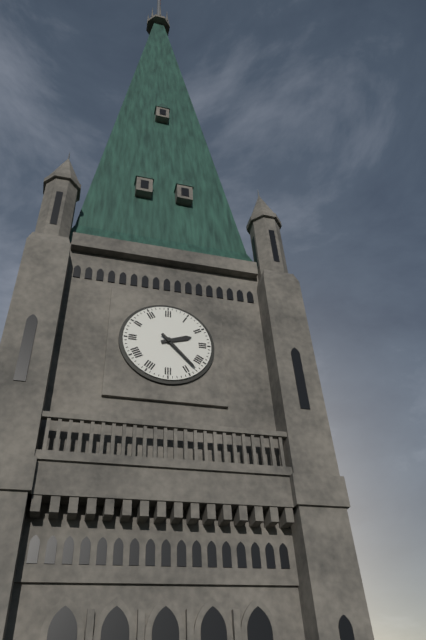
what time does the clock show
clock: 2:23
